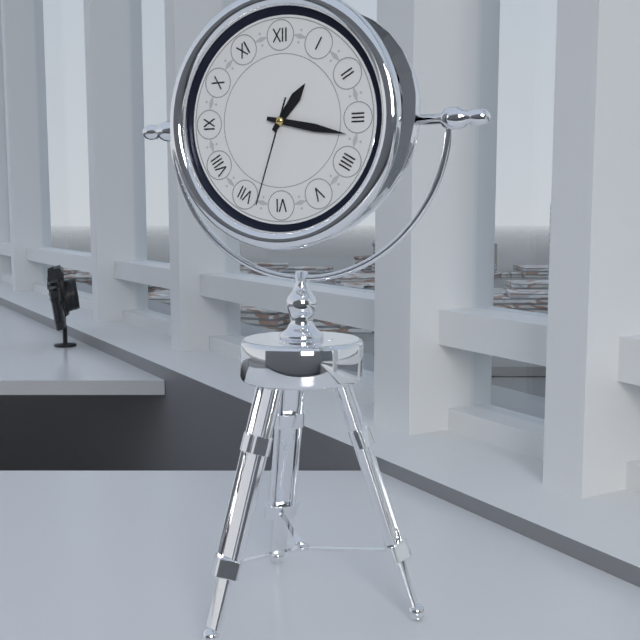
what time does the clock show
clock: 1:17:33
